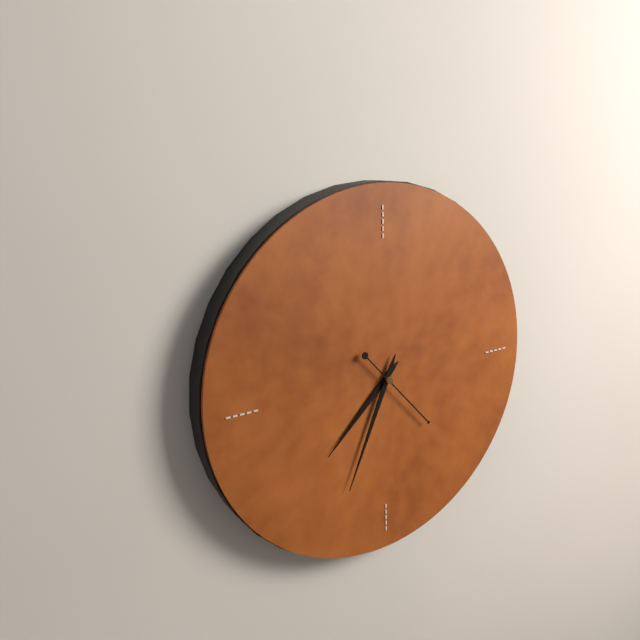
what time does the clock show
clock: 7:34:23
